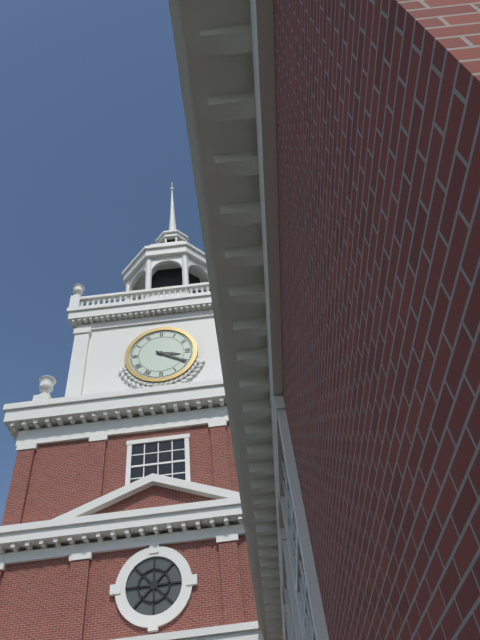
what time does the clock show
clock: 3:20
